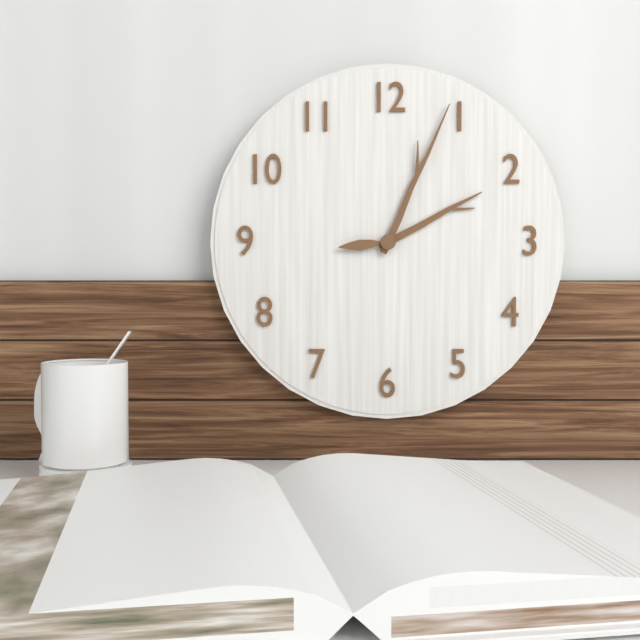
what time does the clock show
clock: 2:04:44
